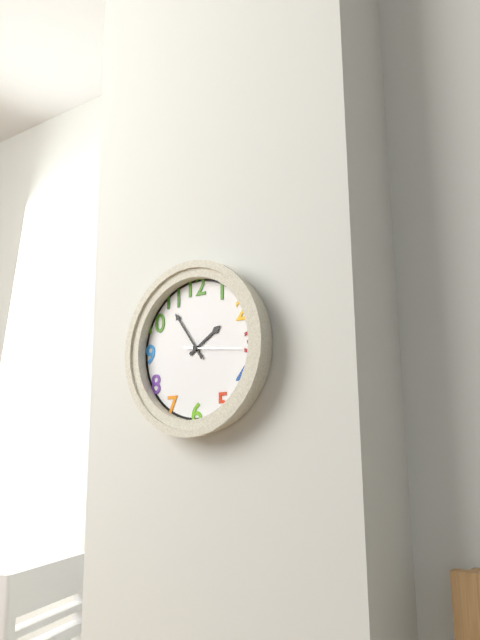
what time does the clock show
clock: 1:54:16
